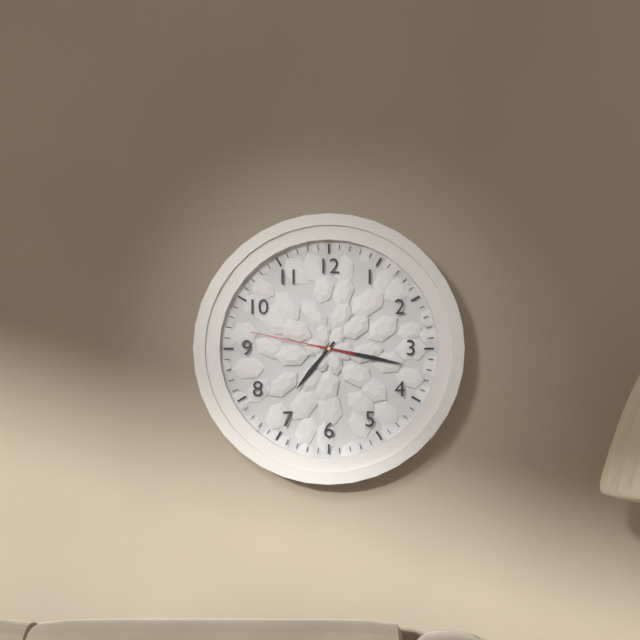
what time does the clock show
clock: 7:17:47
